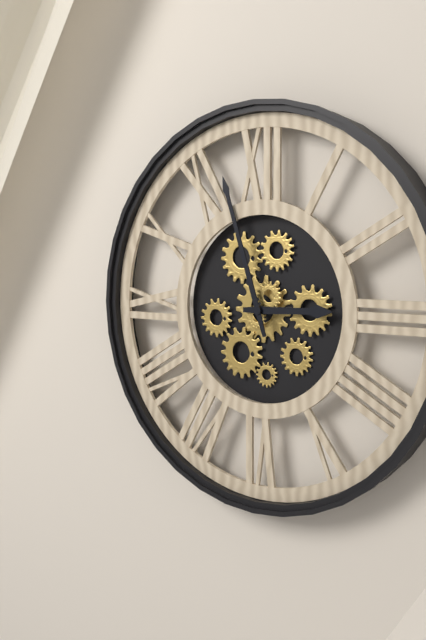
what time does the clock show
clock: 2:57
